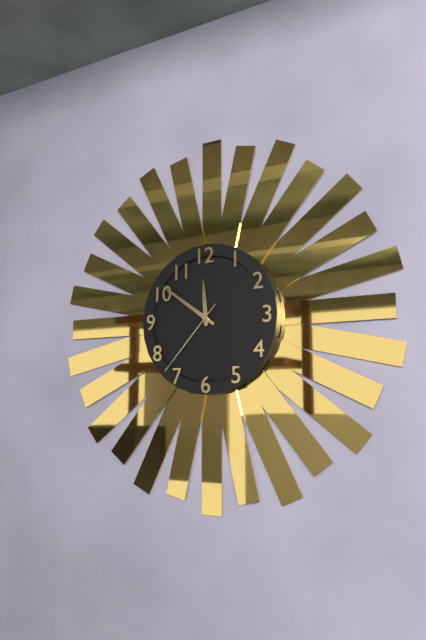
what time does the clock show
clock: 11:51:37
